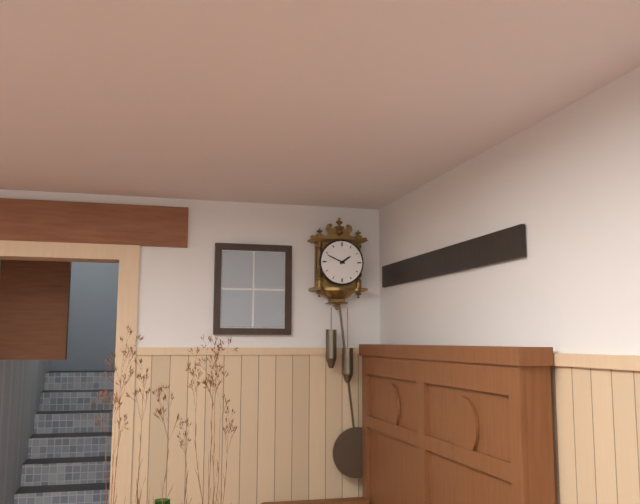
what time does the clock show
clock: 1:49
